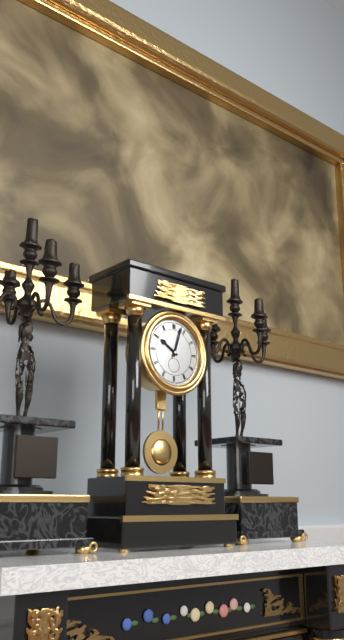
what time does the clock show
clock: 10:03
